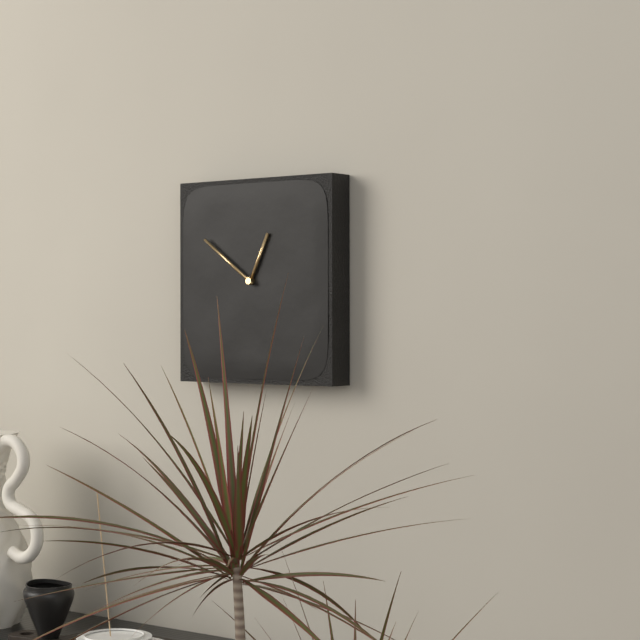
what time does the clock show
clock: 12:51
